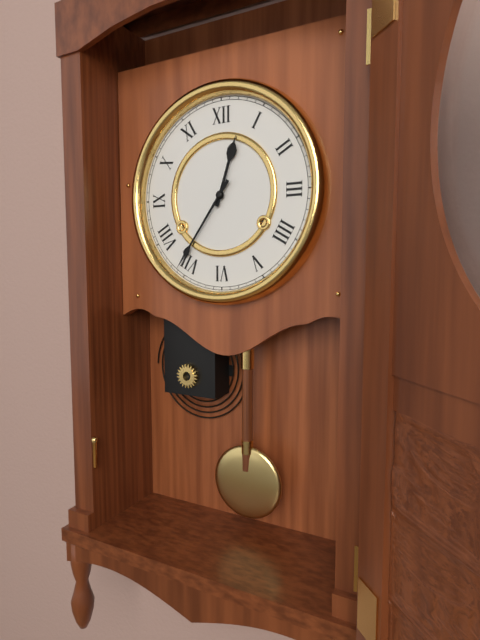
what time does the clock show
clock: 12:36
